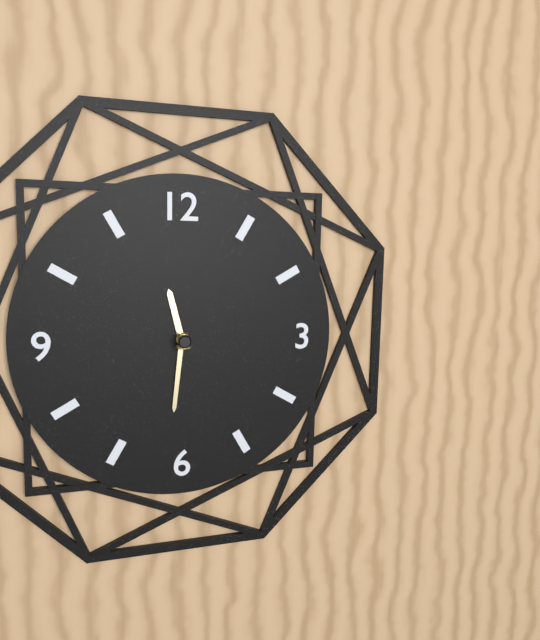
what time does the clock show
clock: 11:31
